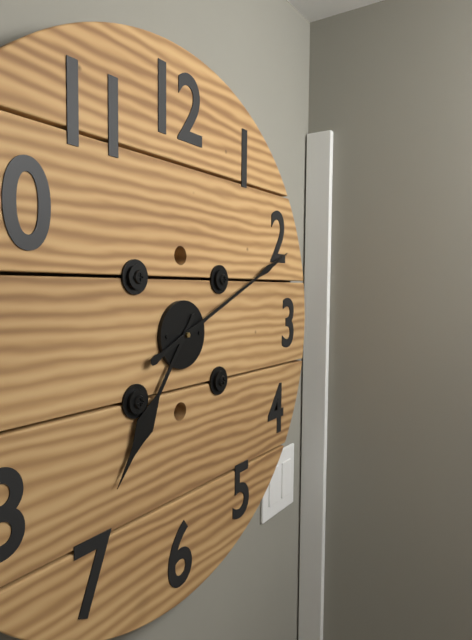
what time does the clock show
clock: 7:11
